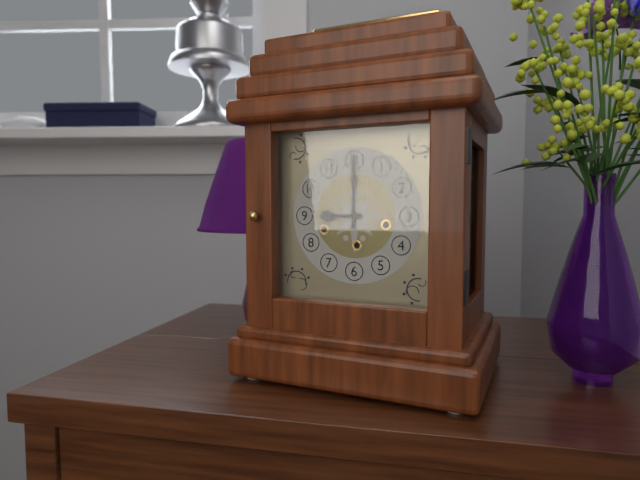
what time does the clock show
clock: 9:00
